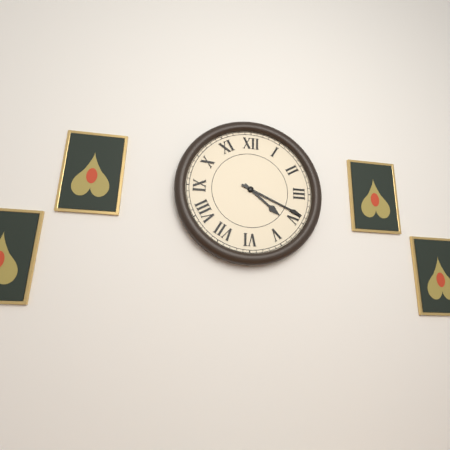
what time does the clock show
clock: 4:19
